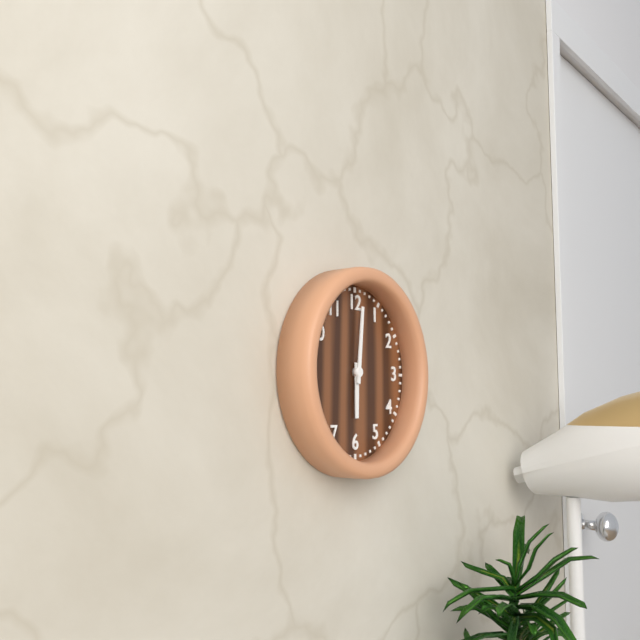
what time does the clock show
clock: 6:01
